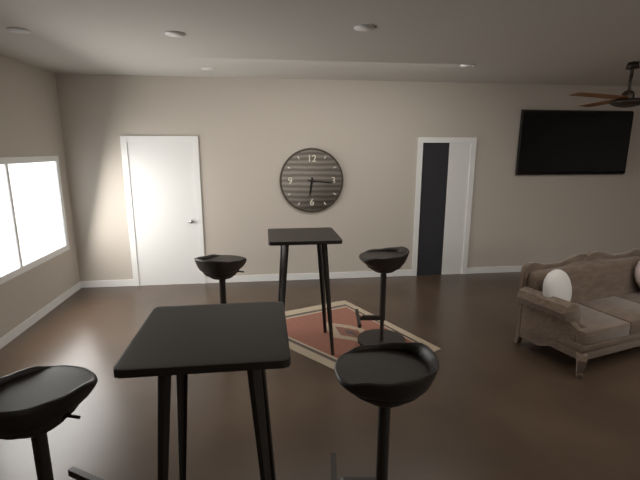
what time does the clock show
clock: 6:16
